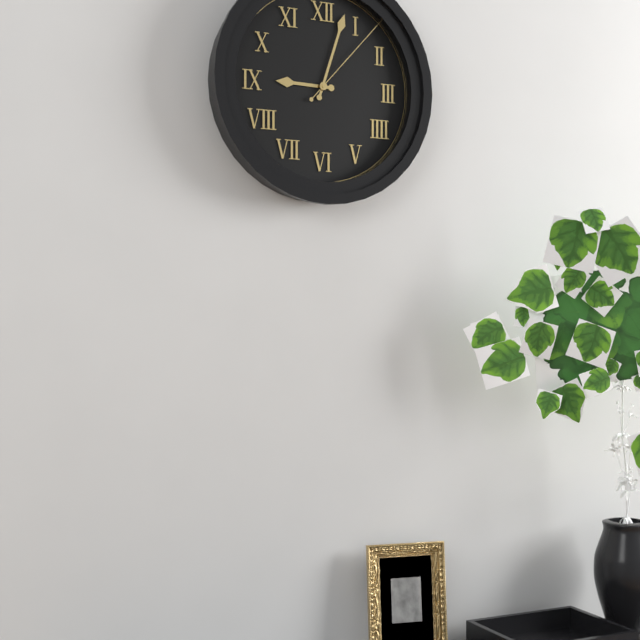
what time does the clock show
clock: 9:03:07
